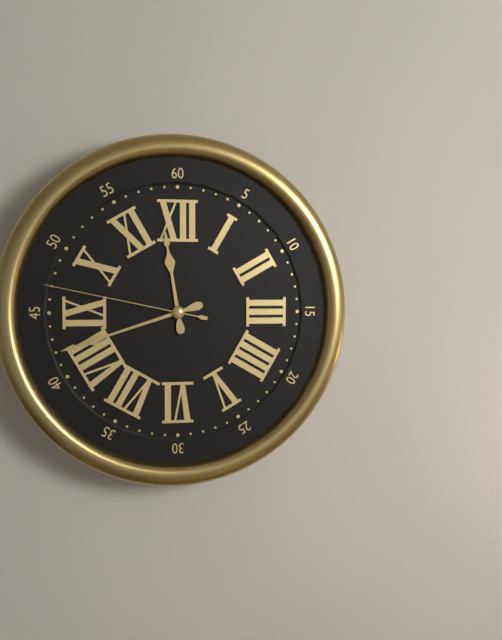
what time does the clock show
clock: 11:42:47
